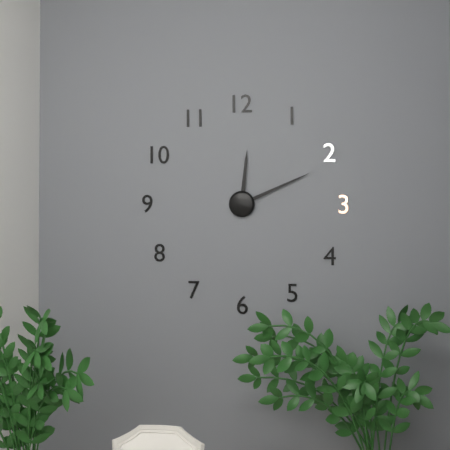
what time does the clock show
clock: 12:11
